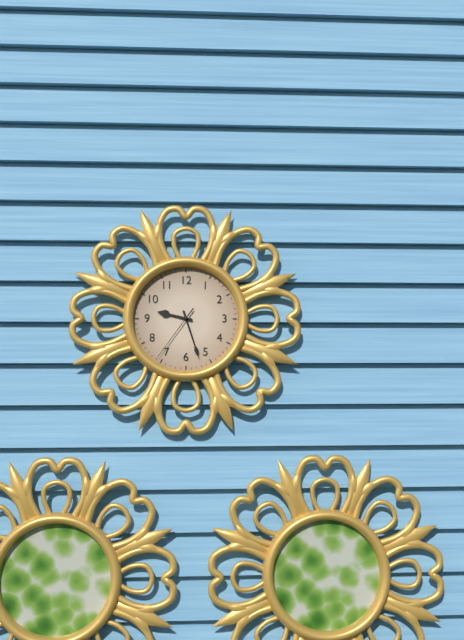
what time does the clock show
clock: 9:27:36
